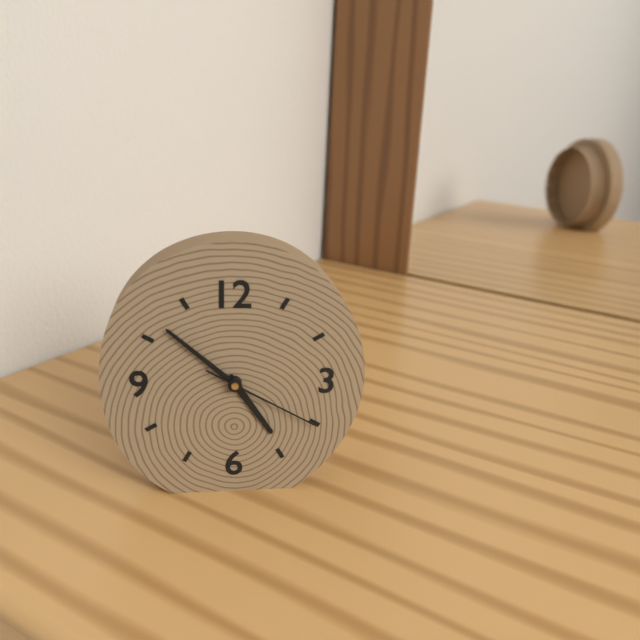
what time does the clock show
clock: 4:52:20
